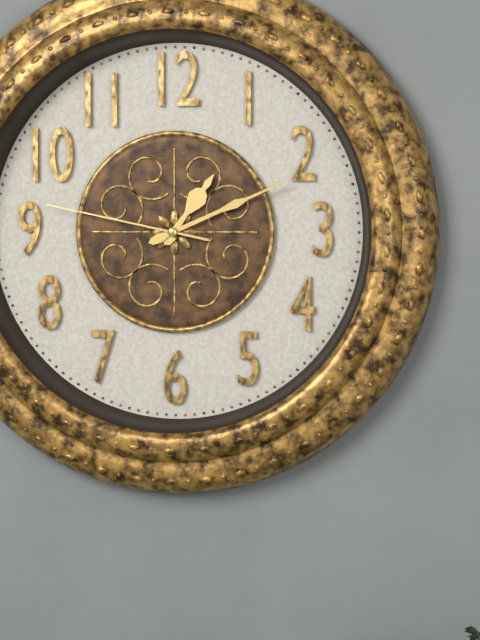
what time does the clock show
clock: 1:11:47
